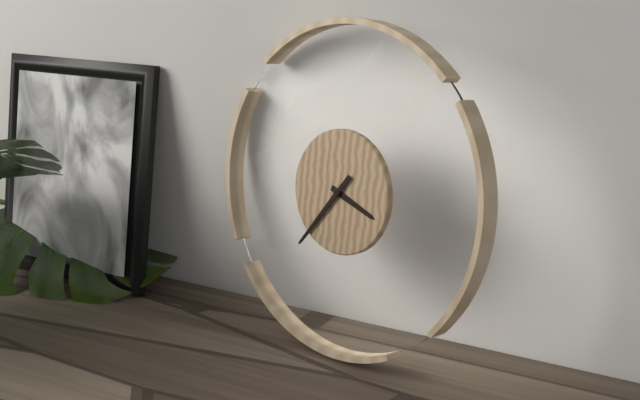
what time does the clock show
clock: 3:36
